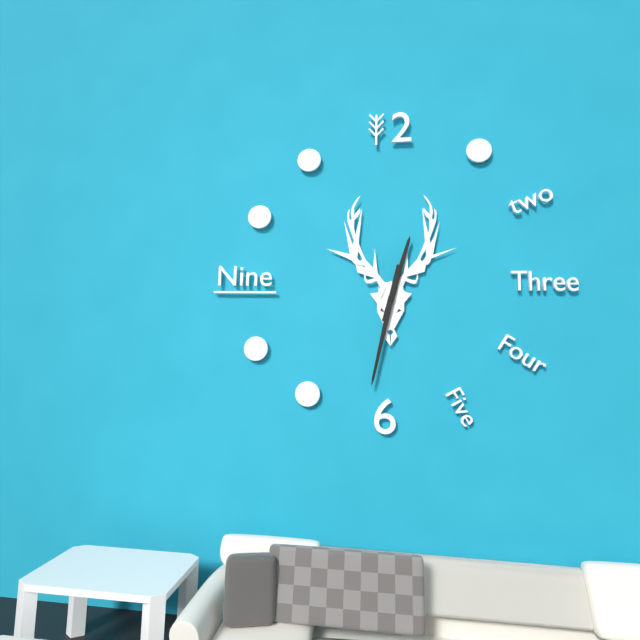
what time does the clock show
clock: 12:32
